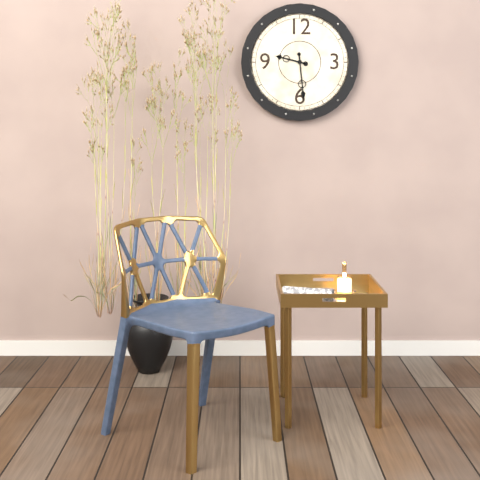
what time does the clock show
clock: 9:29
